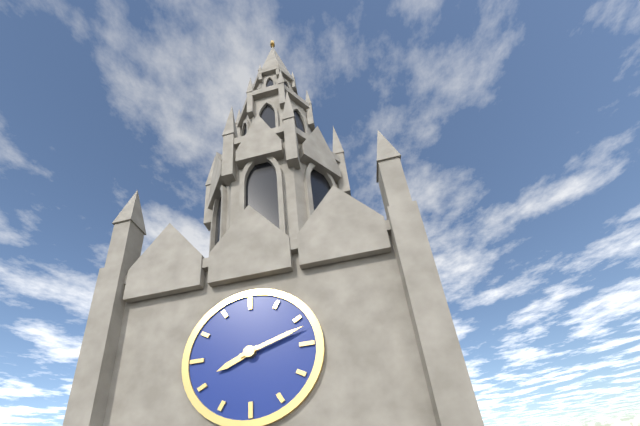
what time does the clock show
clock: 8:12
